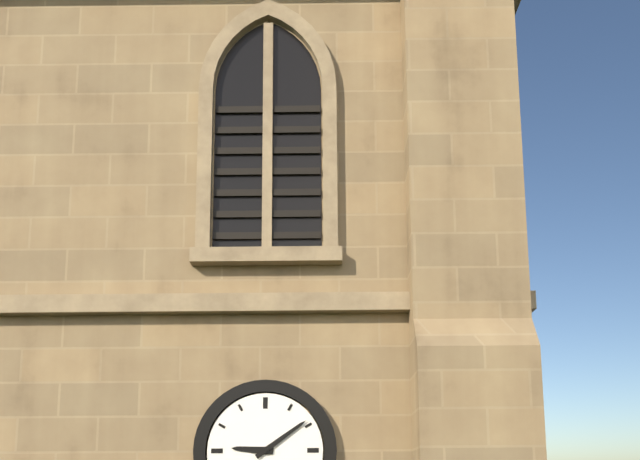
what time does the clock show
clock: 9:09
